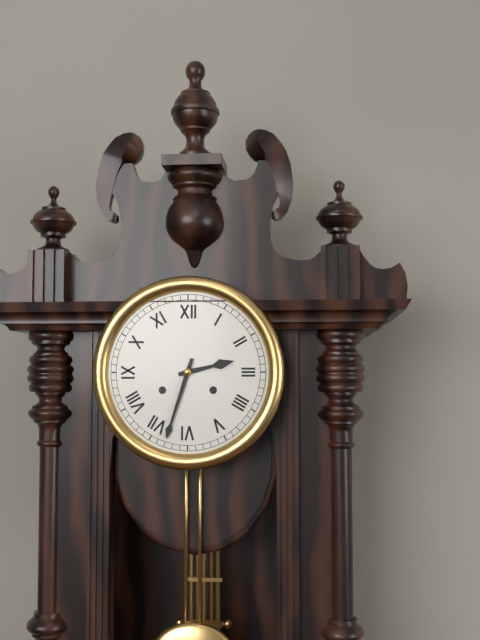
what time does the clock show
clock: 2:33
